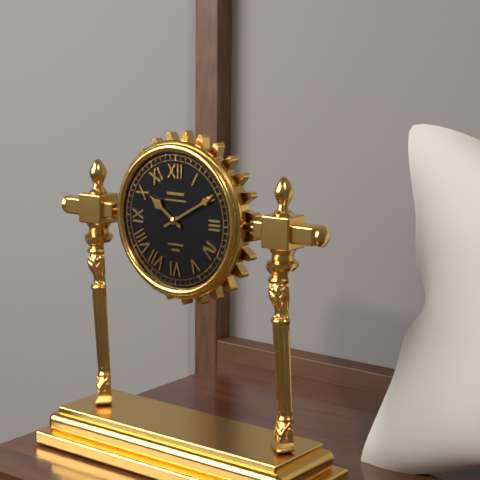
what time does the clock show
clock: 10:10
